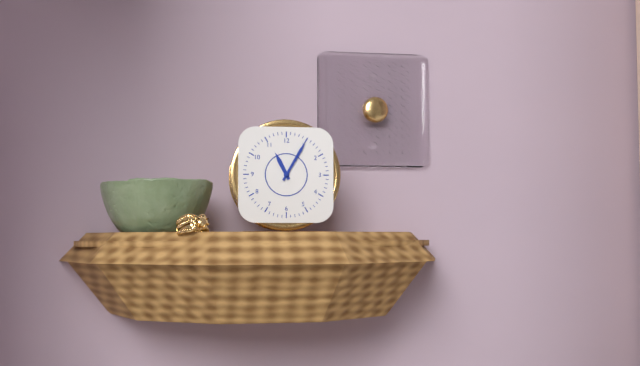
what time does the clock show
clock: 11:05
